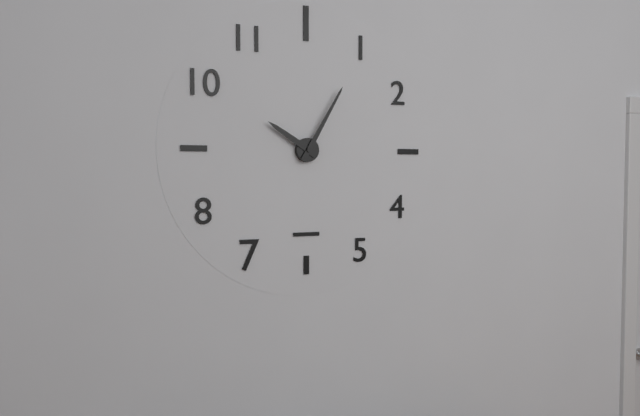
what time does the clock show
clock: 10:05
